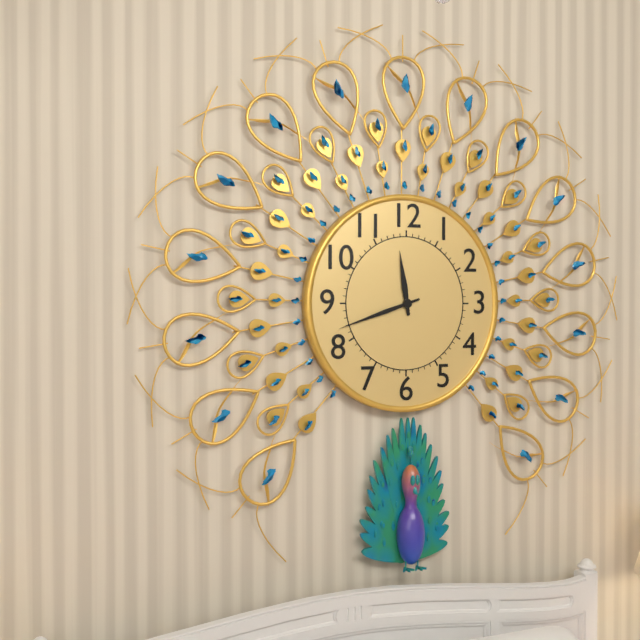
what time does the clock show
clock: 11:42
